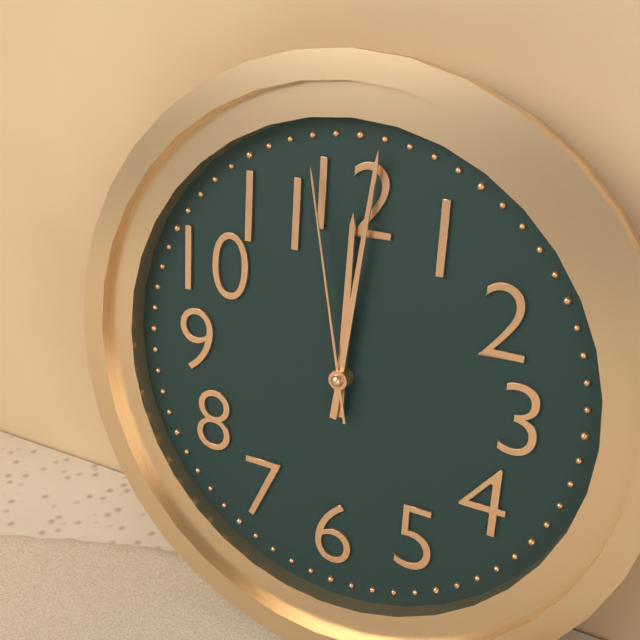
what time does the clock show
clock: 12:01:58
